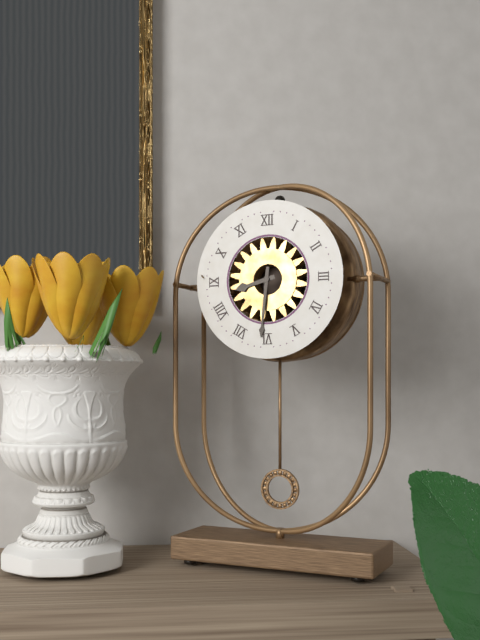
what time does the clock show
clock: 8:31
